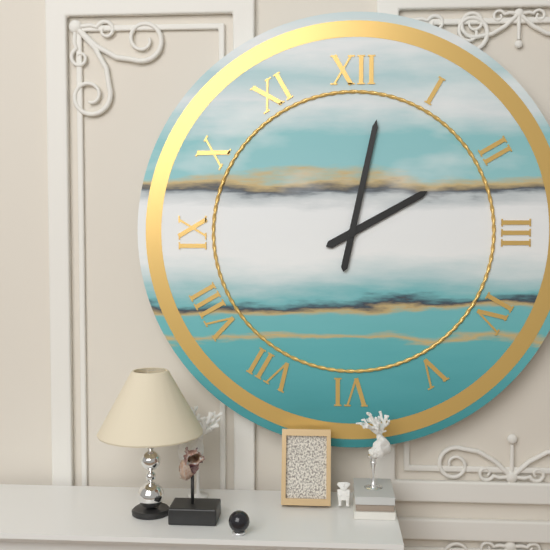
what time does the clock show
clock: 2:02
